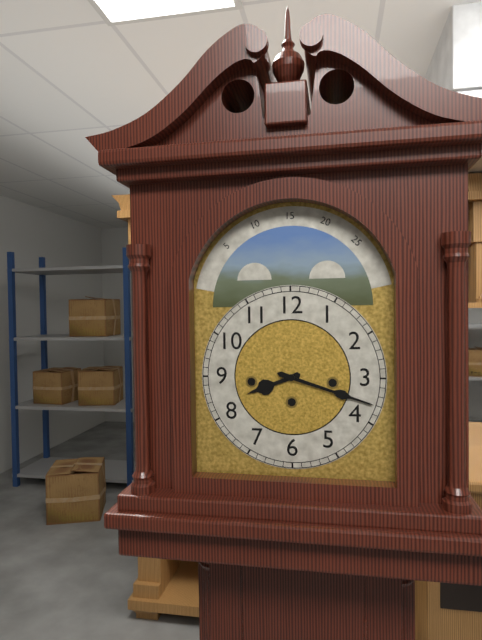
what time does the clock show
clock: 8:18
